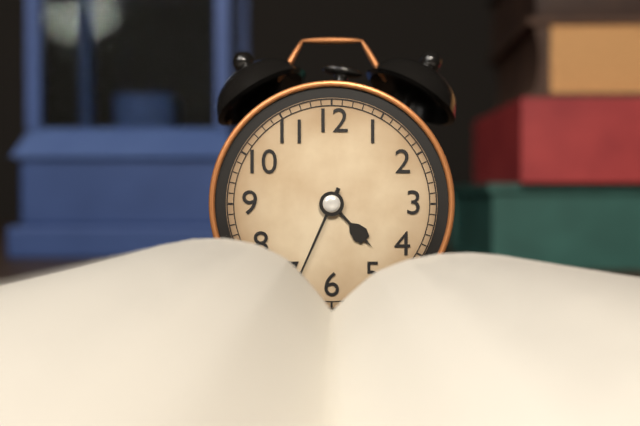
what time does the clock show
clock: 4:34
